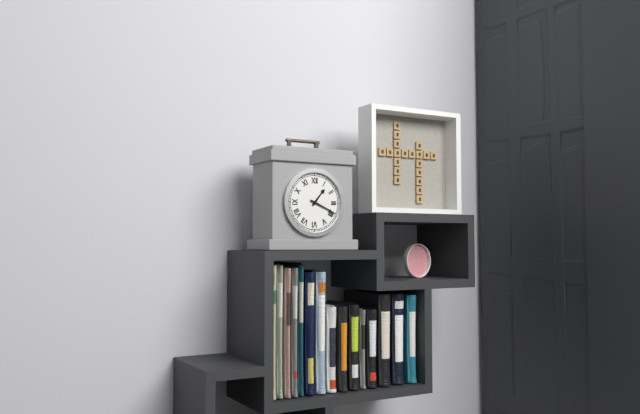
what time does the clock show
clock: 1:19
